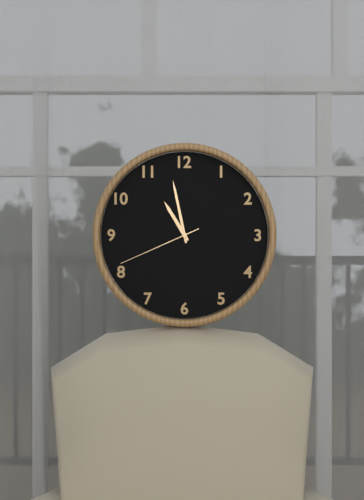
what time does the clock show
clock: 10:58:41
